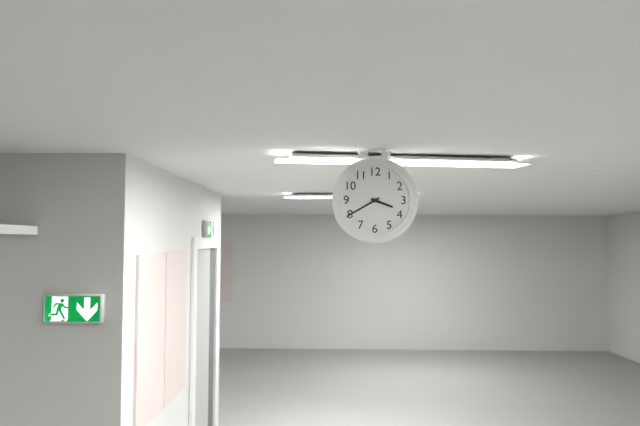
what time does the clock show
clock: 3:40
